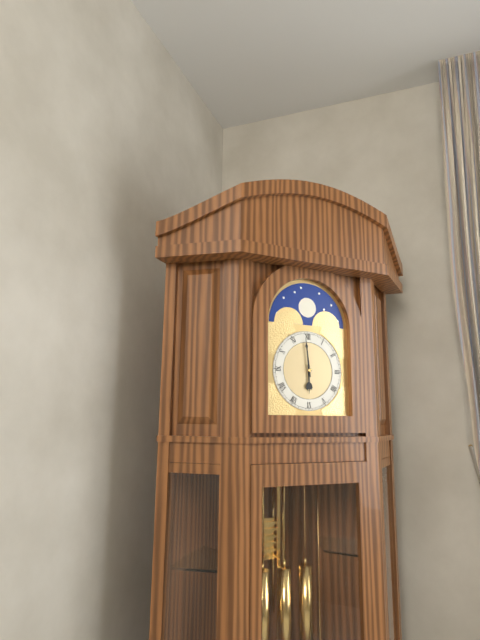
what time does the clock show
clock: 5:59
